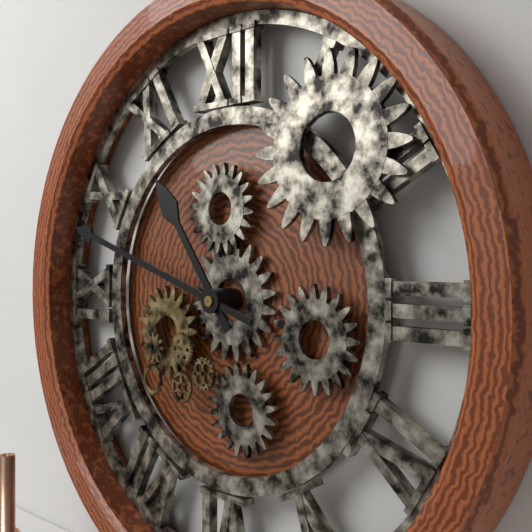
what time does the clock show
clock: 10:48
